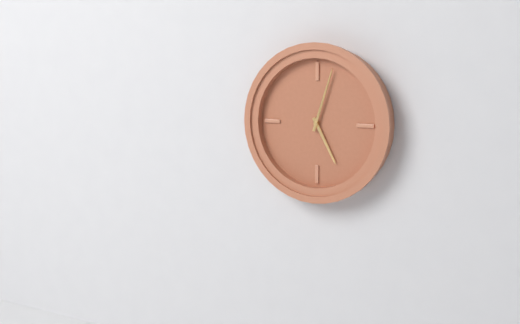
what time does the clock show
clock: 5:03
